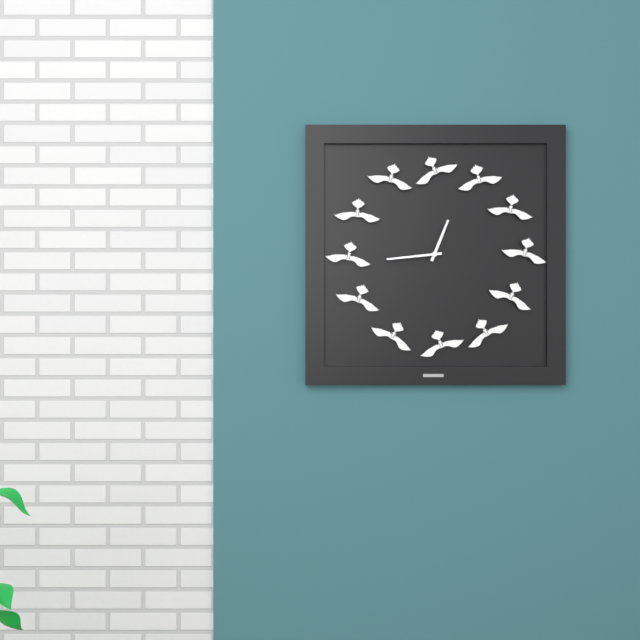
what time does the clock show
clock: 12:44
